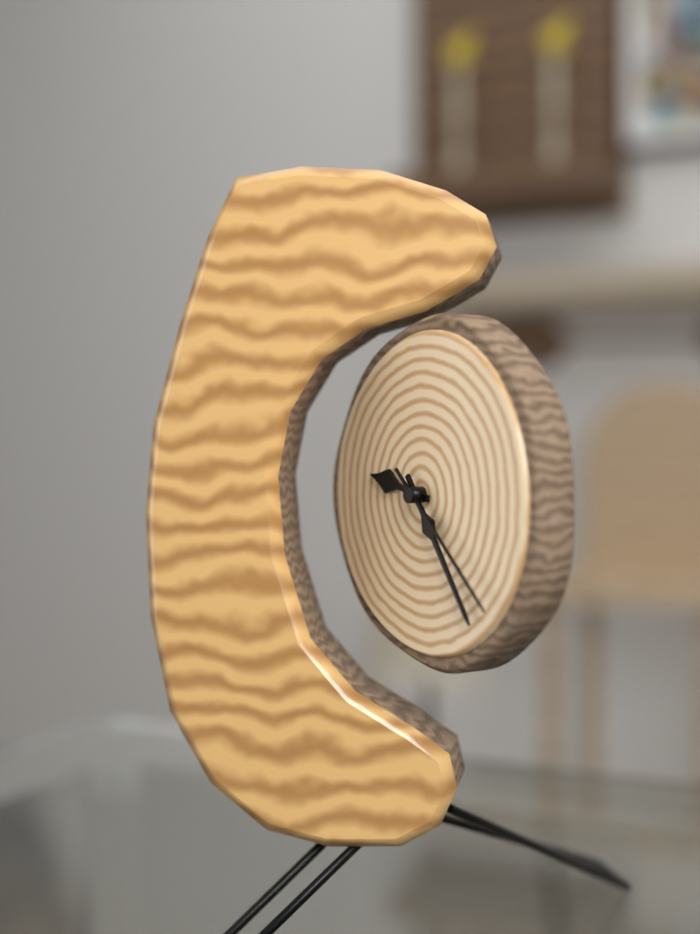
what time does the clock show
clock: 9:24:22
